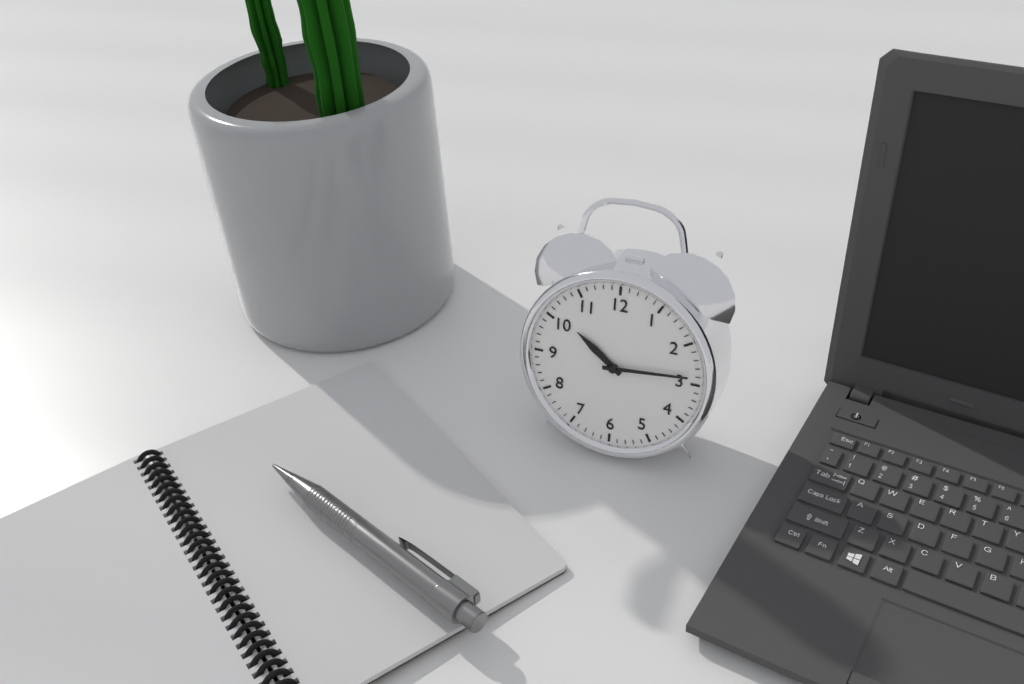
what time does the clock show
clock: 10:14
